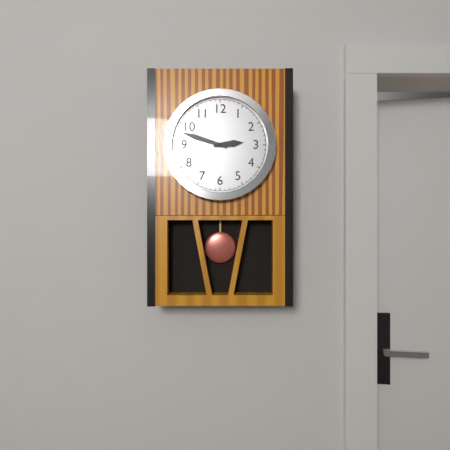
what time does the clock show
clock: 2:48
